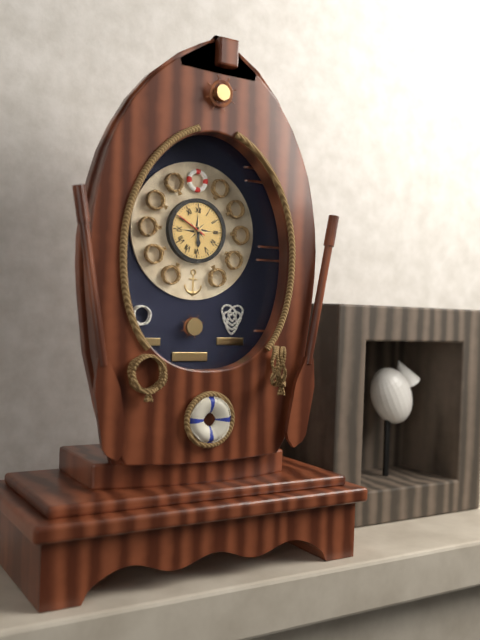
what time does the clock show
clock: 5:50
